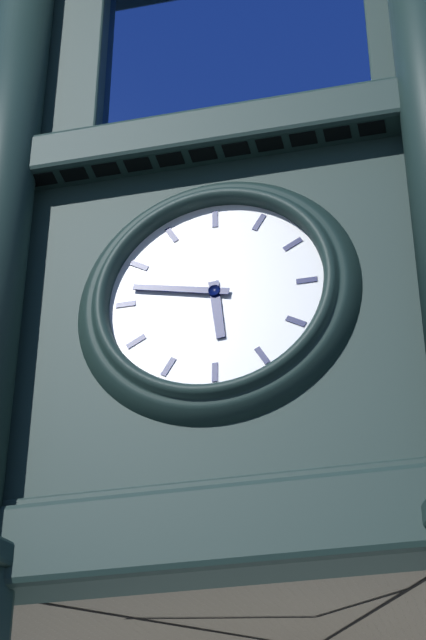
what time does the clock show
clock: 5:47
